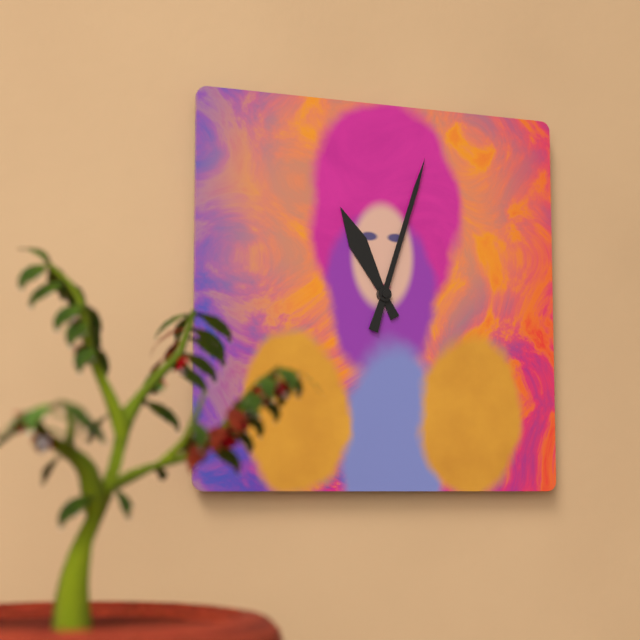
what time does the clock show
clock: 11:03
